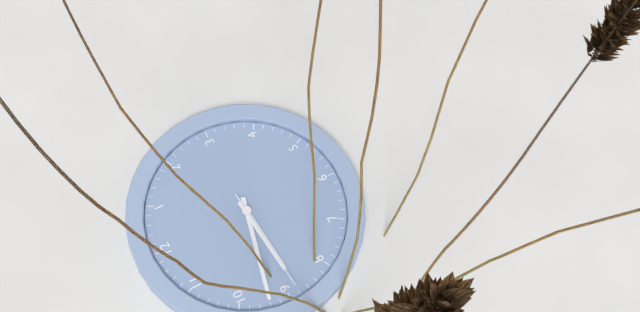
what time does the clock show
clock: 8:47:44
